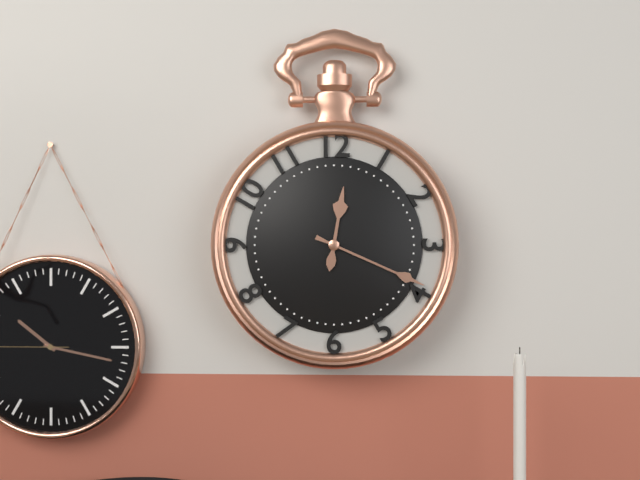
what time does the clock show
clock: 12:19
